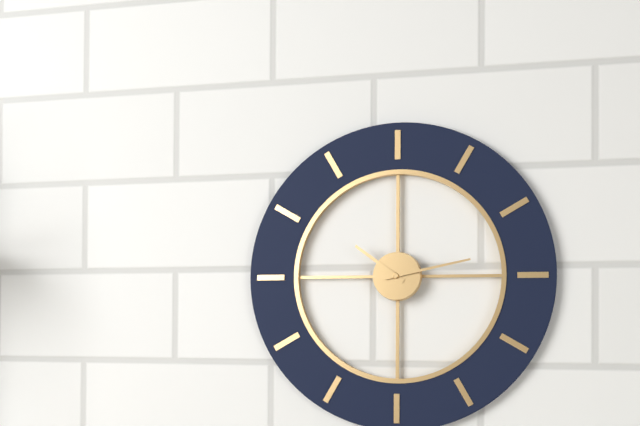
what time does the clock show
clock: 10:13
